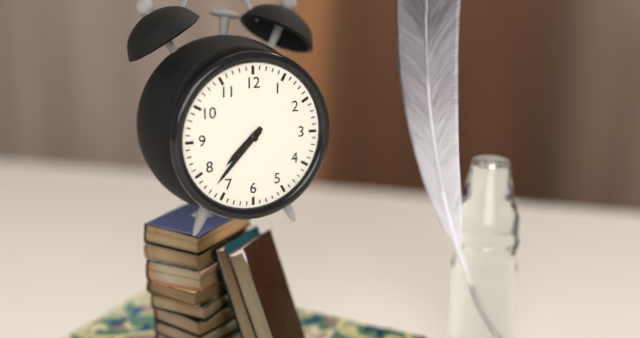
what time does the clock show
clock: 7:37
